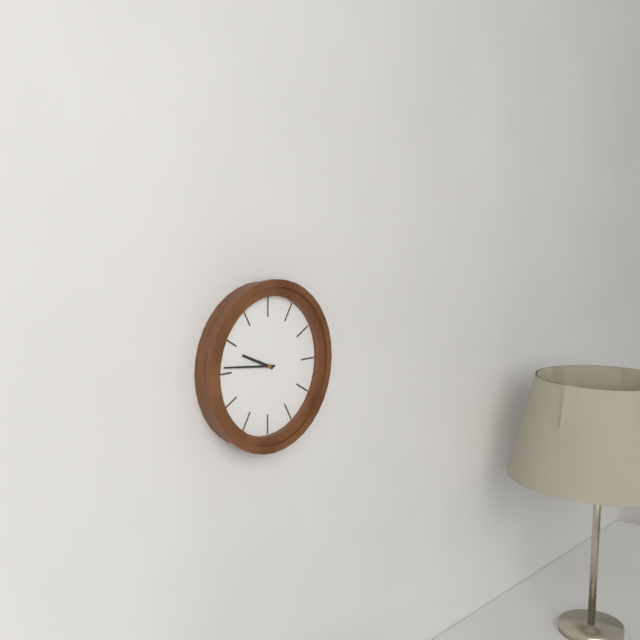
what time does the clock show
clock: 9:46
